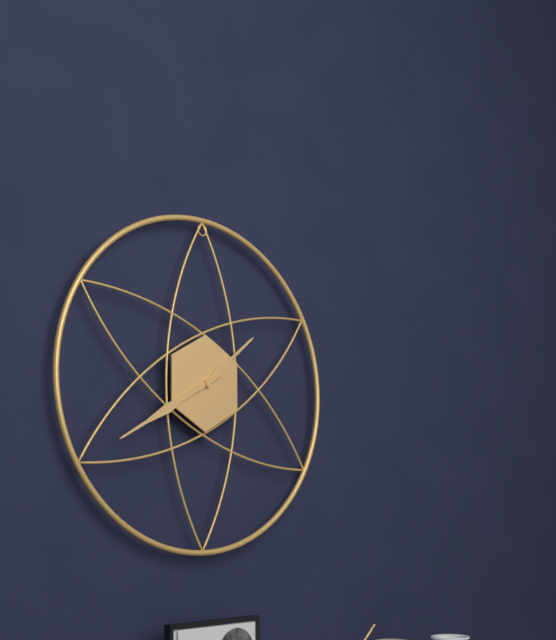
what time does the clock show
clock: 1:40
